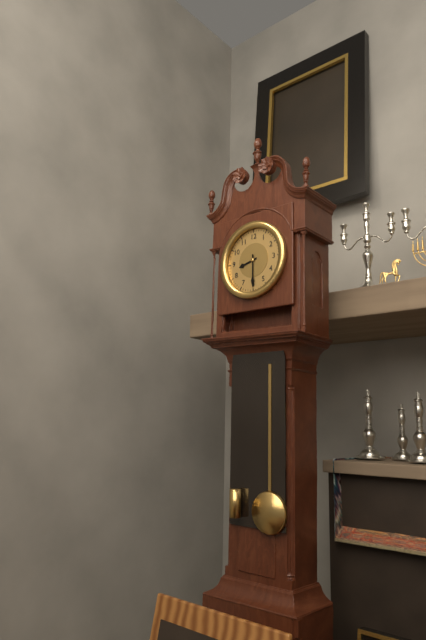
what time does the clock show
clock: 8:30
